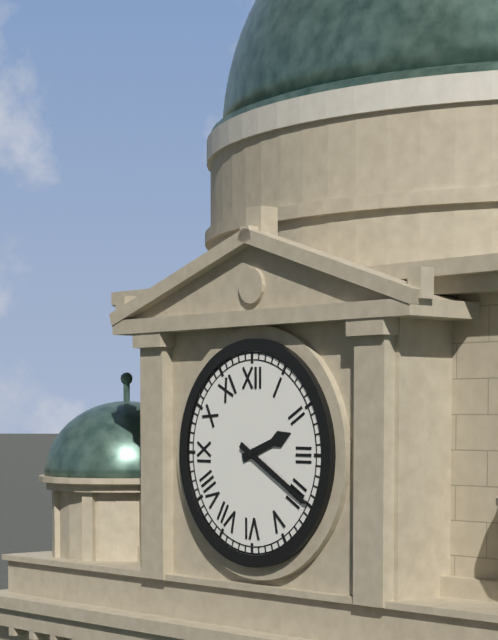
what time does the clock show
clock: 2:20
